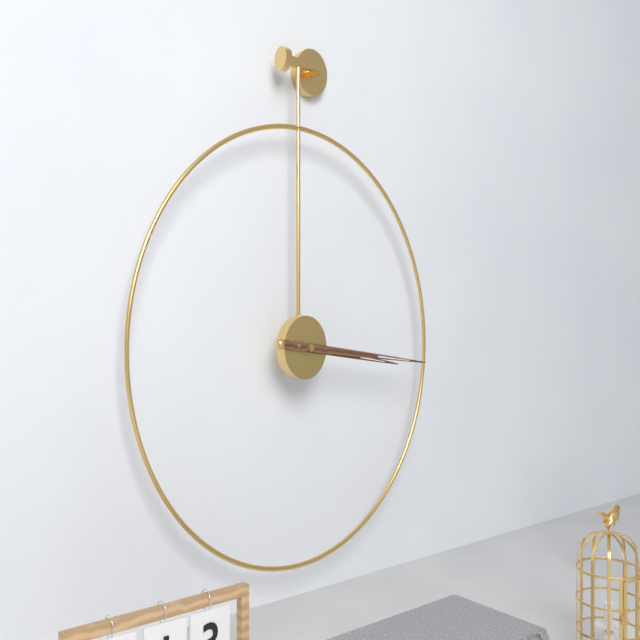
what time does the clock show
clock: 3:16
